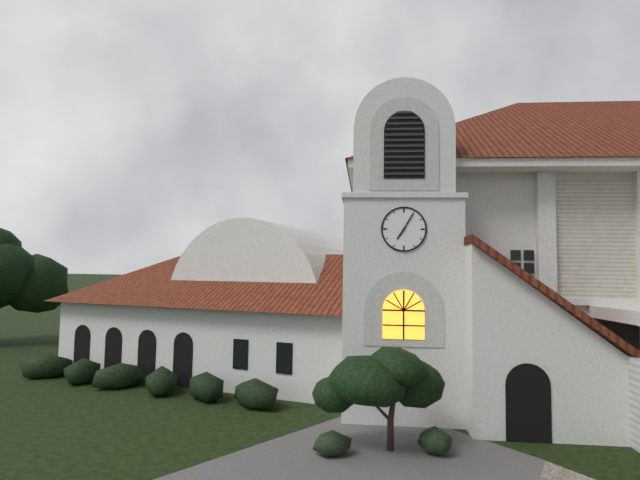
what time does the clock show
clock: 7:05
